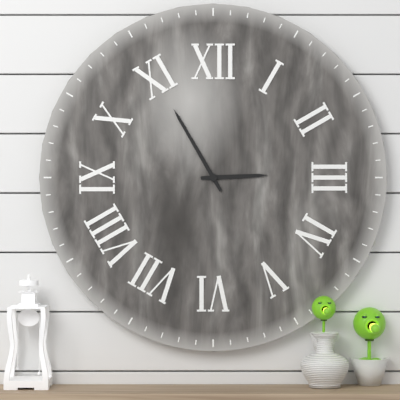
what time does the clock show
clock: 2:55
